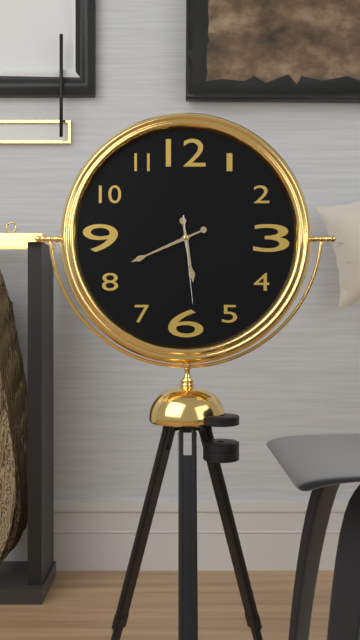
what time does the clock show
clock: 5:41:29
